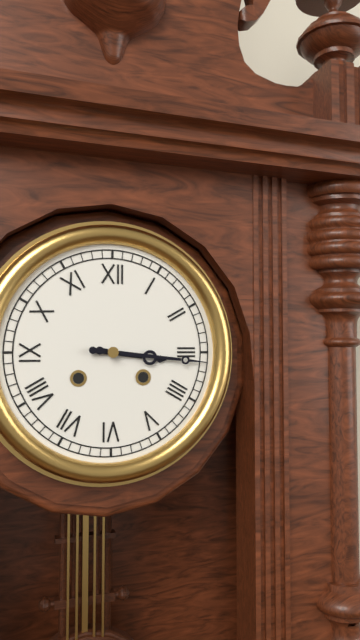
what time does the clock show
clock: 3:16
